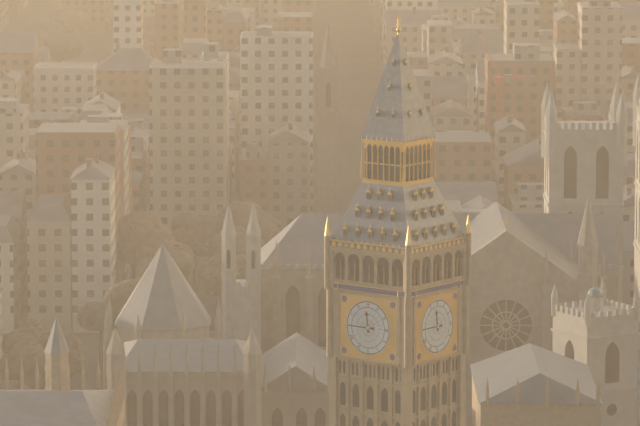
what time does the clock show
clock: 11:45
